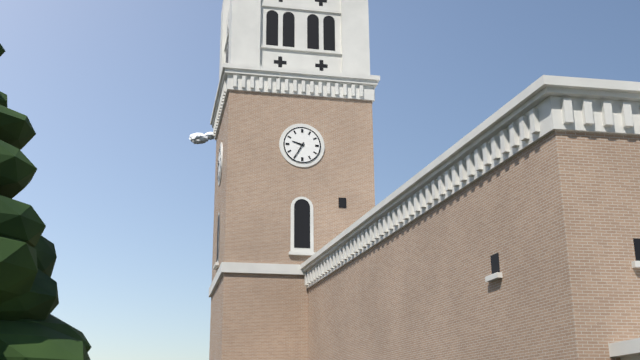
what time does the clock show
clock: 9:35
